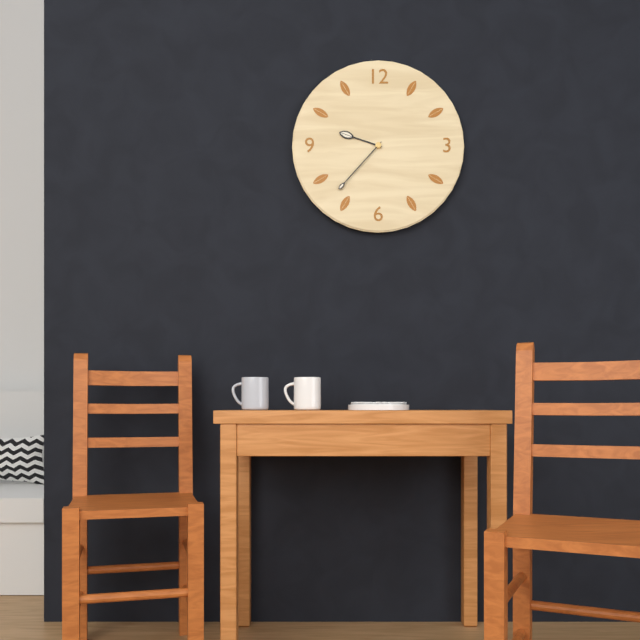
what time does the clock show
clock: 9:37
